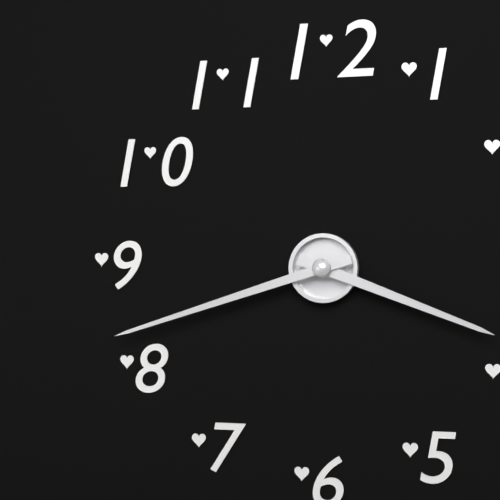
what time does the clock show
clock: 3:42
